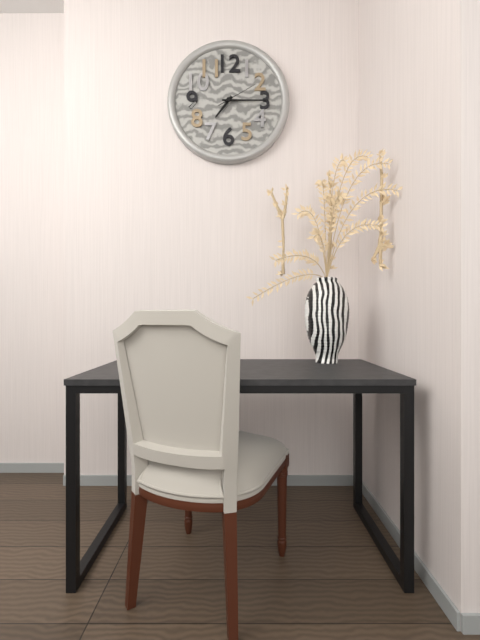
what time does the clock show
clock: 7:15
